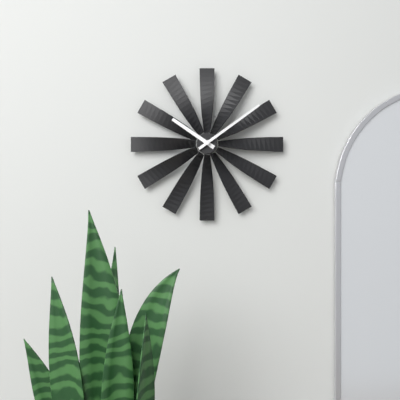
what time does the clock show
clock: 10:09
